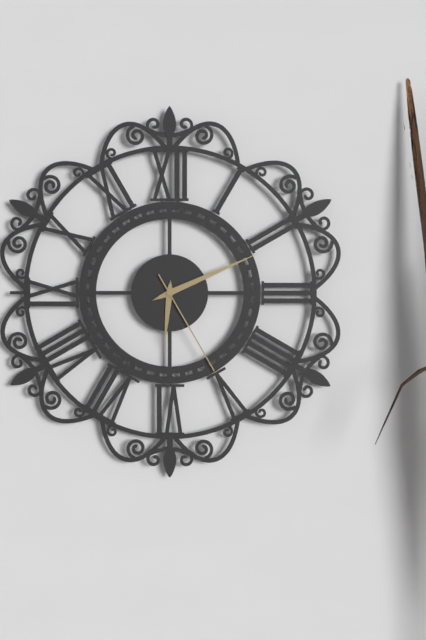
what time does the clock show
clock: 6:11:25
